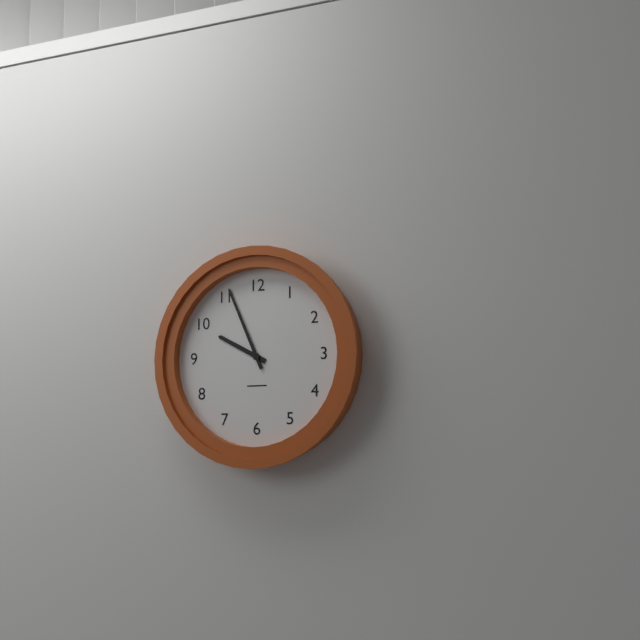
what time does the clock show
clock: 9:56
